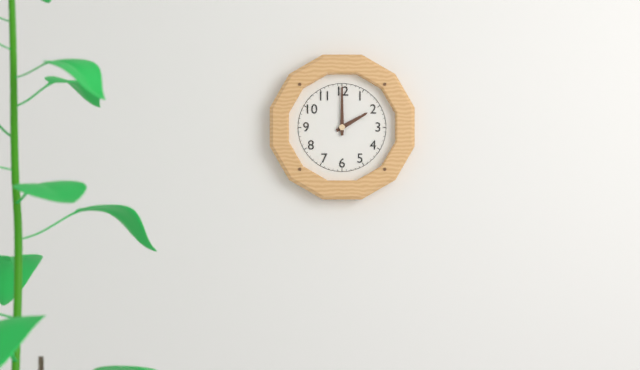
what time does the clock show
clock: 2:00
